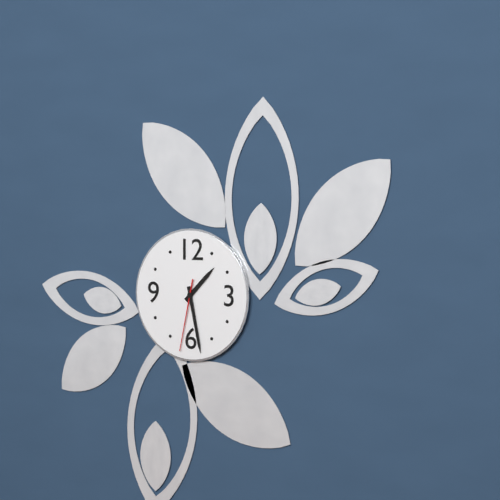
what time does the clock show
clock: 1:28:32
